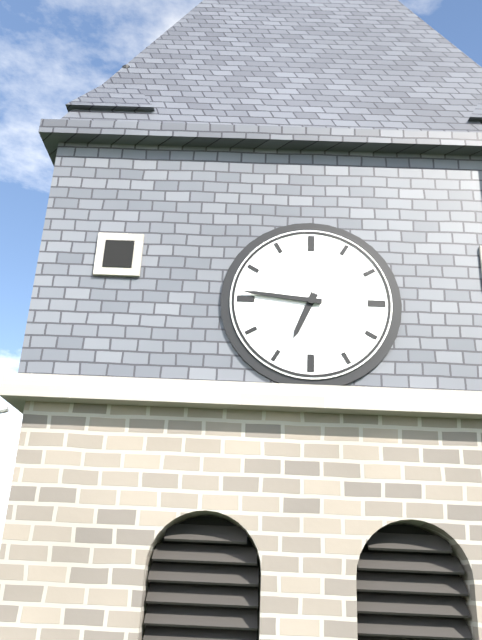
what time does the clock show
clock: 6:46
